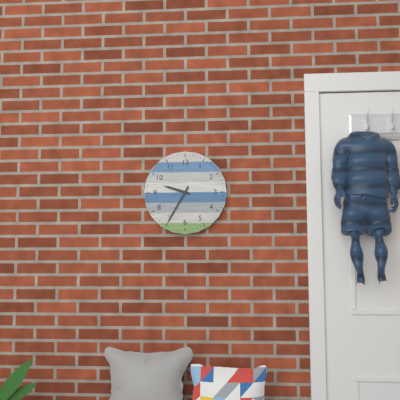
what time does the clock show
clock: 9:35
